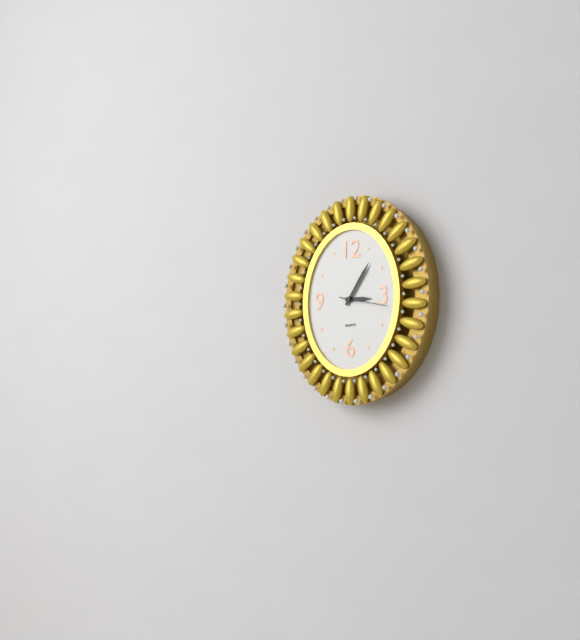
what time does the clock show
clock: 3:06
